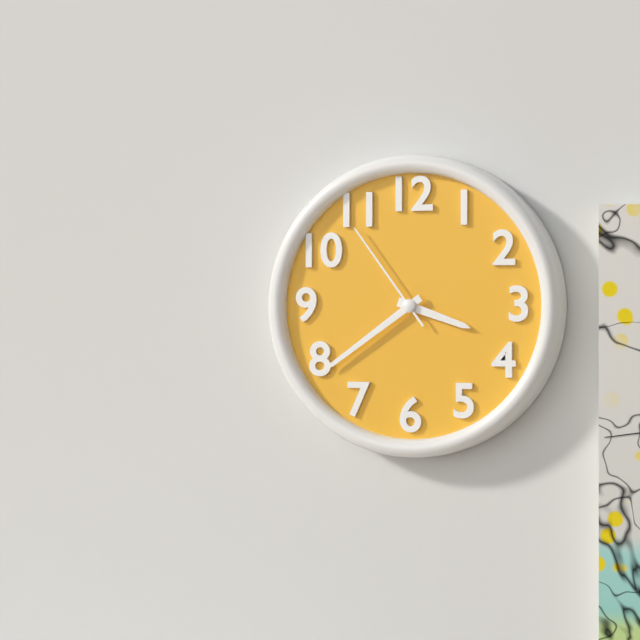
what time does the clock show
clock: 3:39:54
